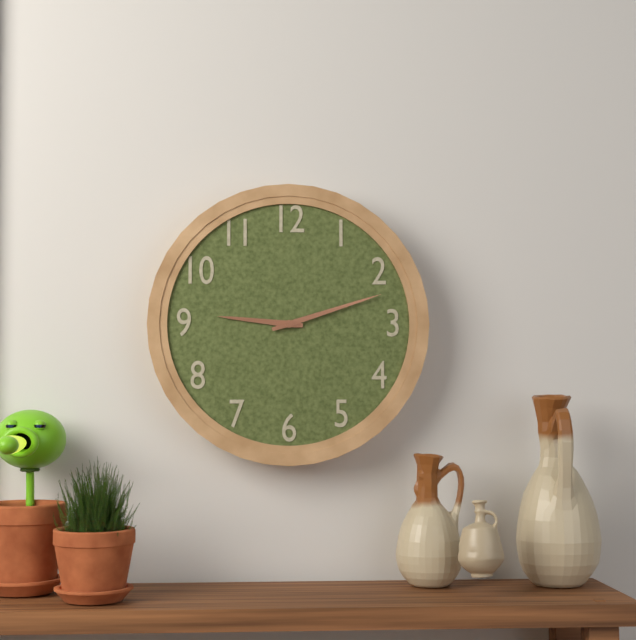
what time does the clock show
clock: 9:12
